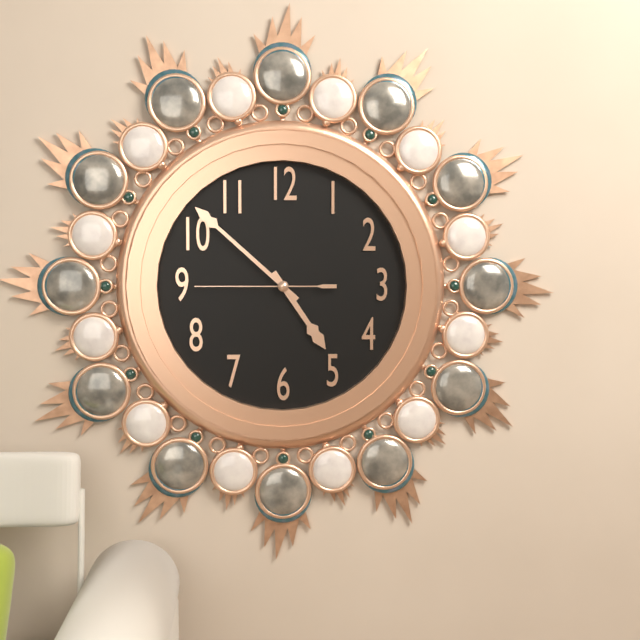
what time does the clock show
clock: 4:52:45
